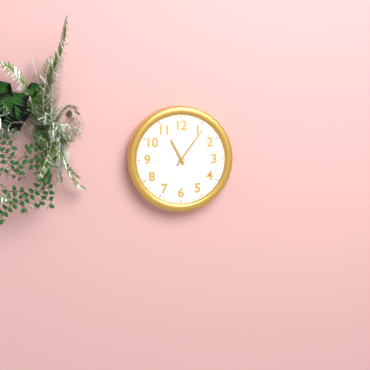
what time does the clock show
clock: 11:06
